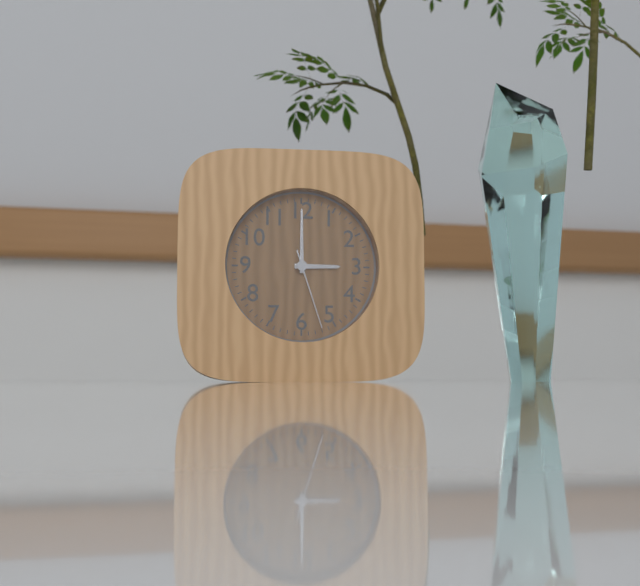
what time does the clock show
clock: 3:00:27
